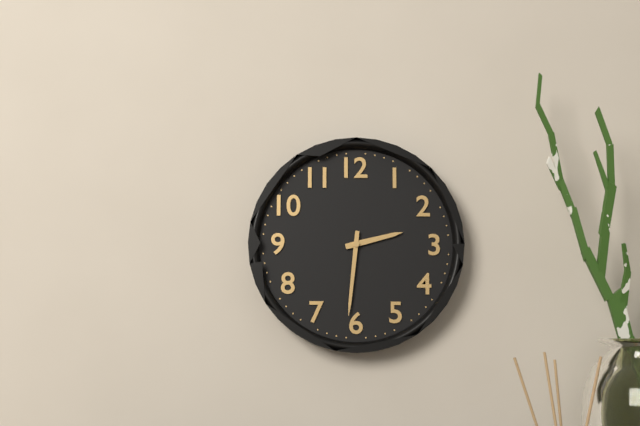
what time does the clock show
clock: 2:31
